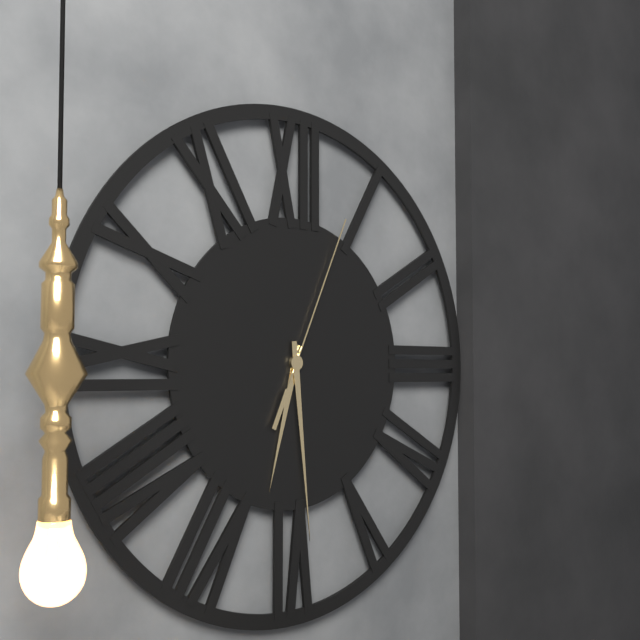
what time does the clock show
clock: 6:29:04
